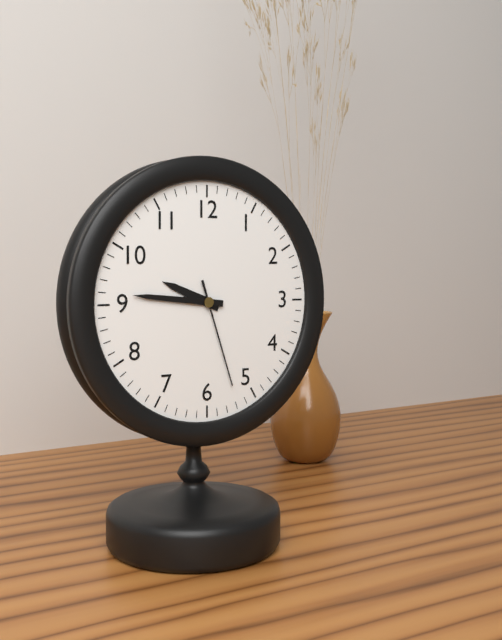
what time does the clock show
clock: 9:46:27
